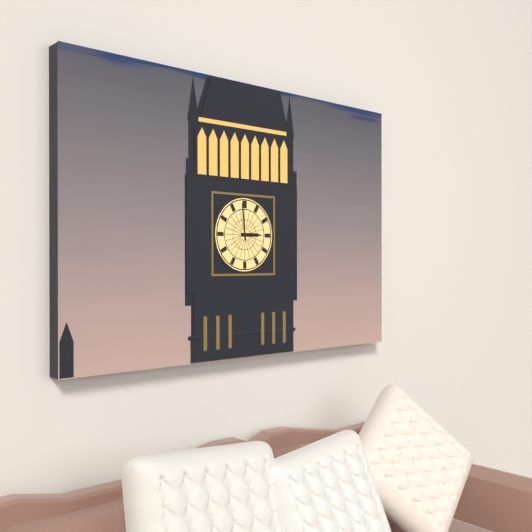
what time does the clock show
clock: 2:59
